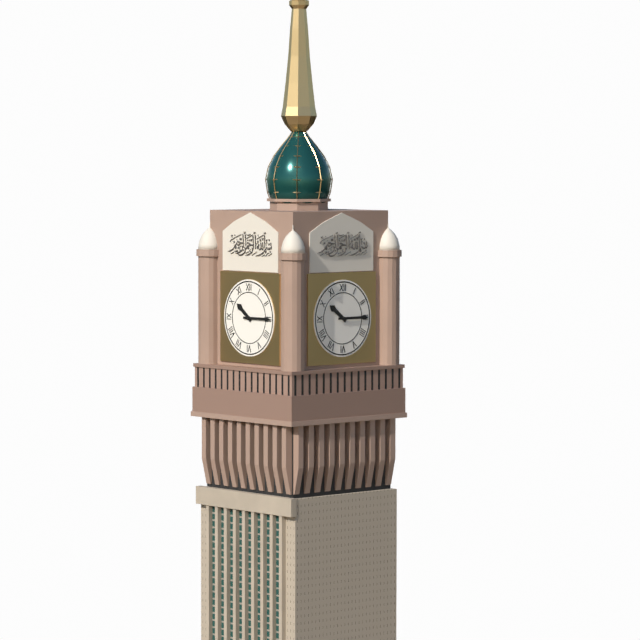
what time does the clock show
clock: 10:15
